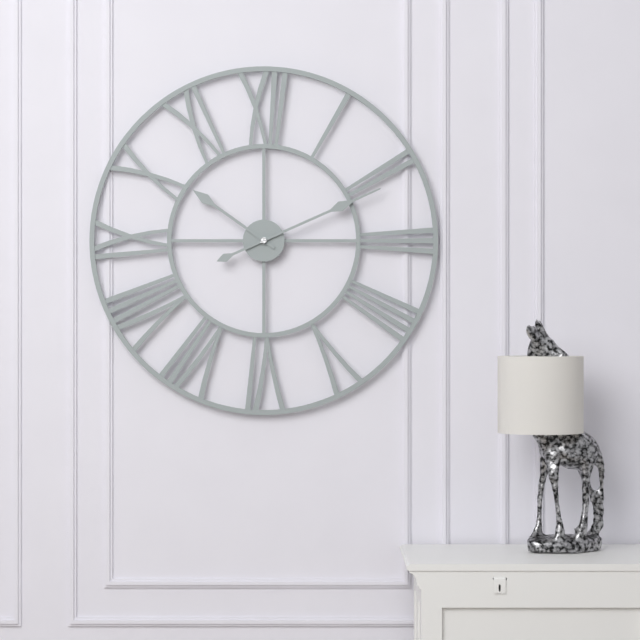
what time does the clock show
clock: 10:11
